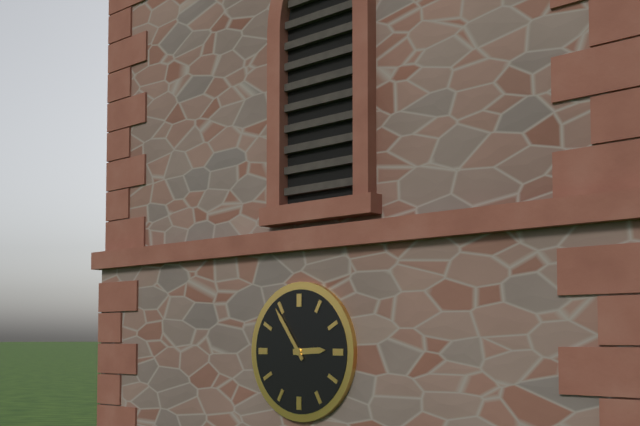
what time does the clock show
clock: 2:54
